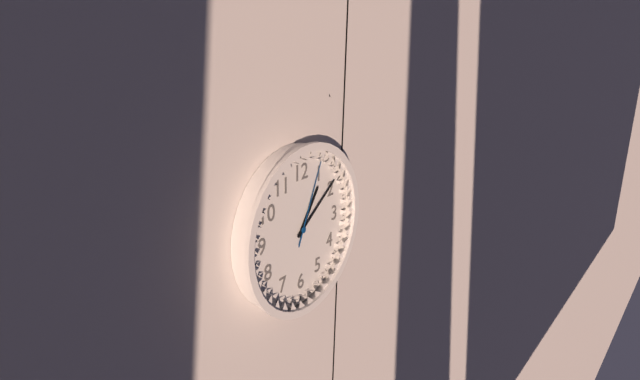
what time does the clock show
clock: 1:09:04
